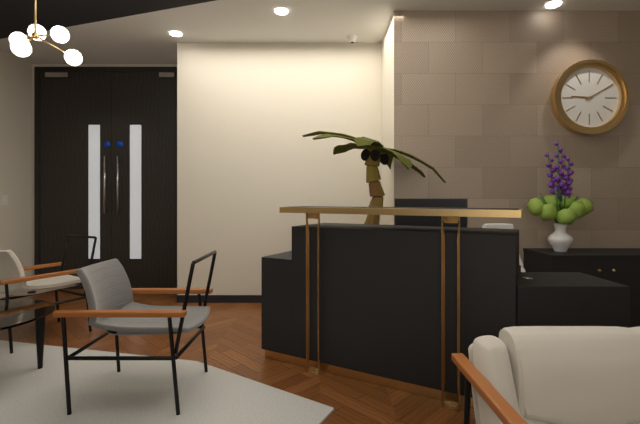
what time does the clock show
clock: 9:10
